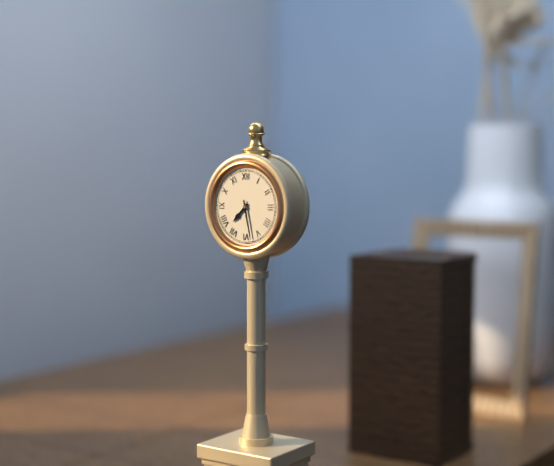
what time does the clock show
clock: 7:28
